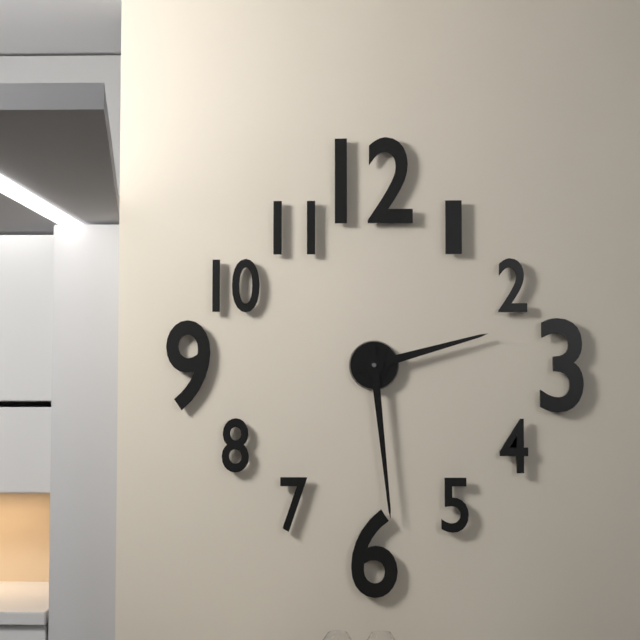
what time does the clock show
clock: 2:29
